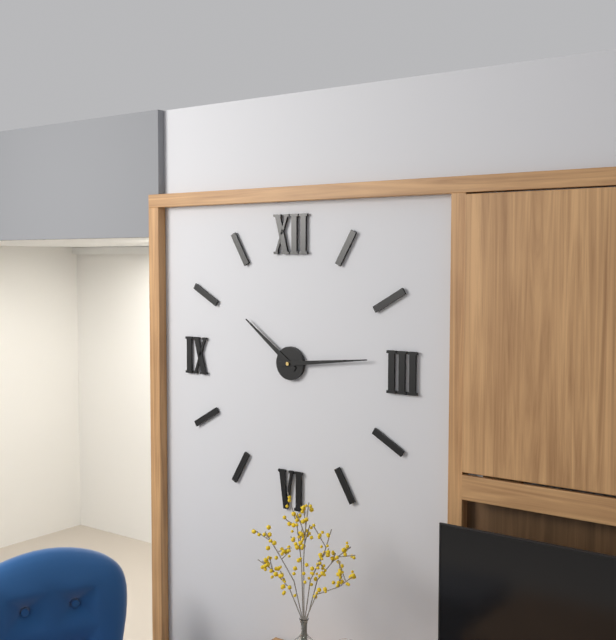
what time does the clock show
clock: 10:14
